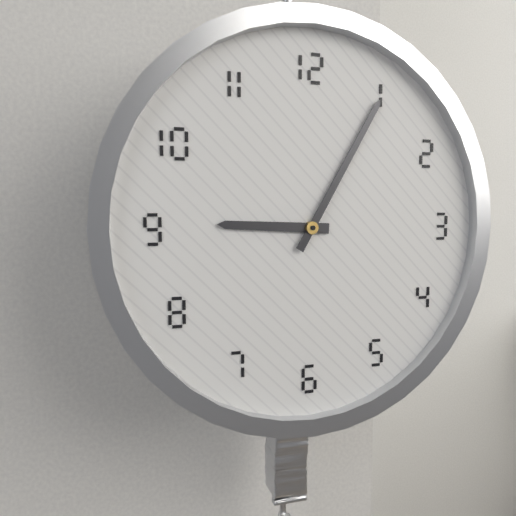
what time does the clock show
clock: 9:05
